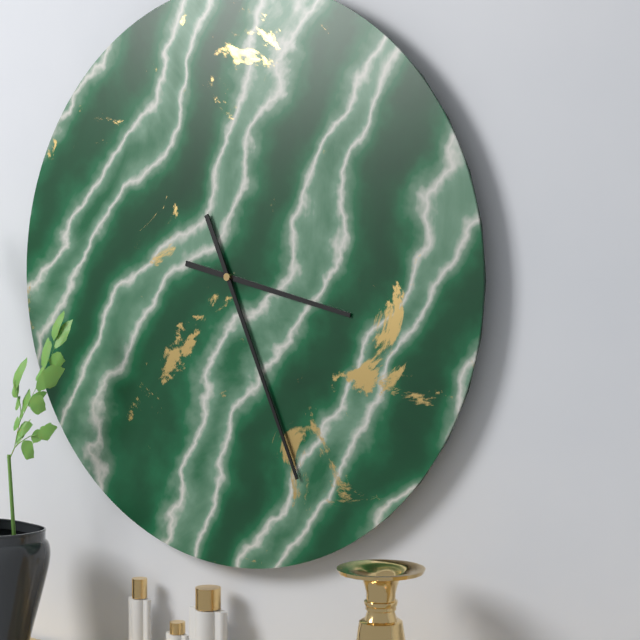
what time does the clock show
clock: 3:26
